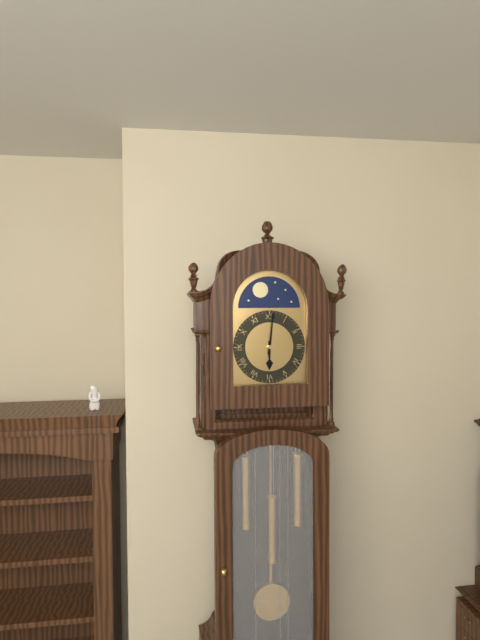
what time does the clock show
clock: 6:01
